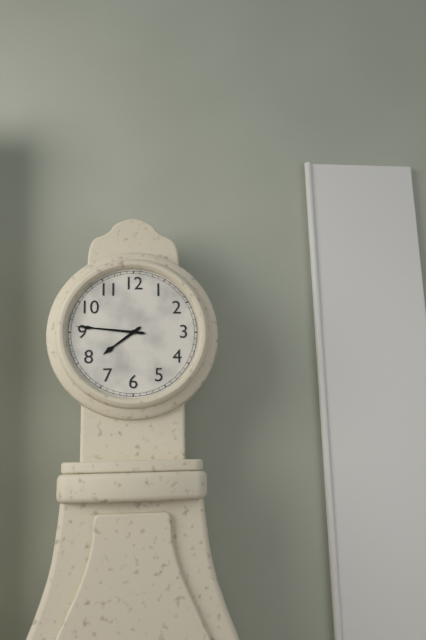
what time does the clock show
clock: 7:46
